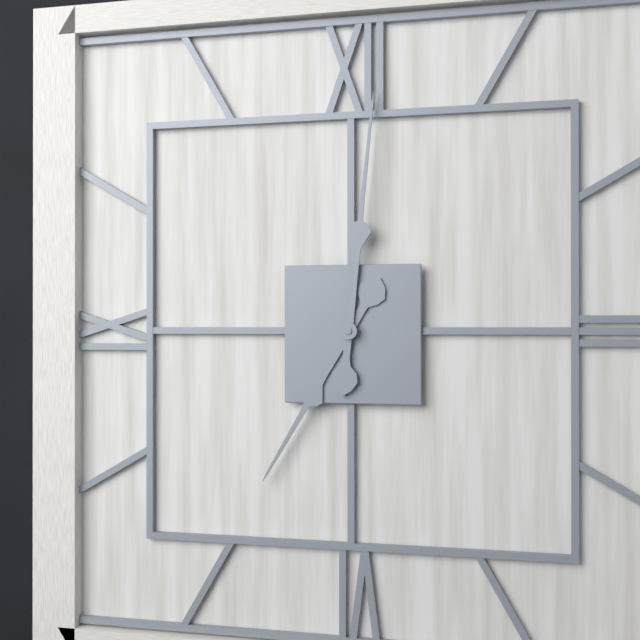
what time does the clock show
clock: 7:01
